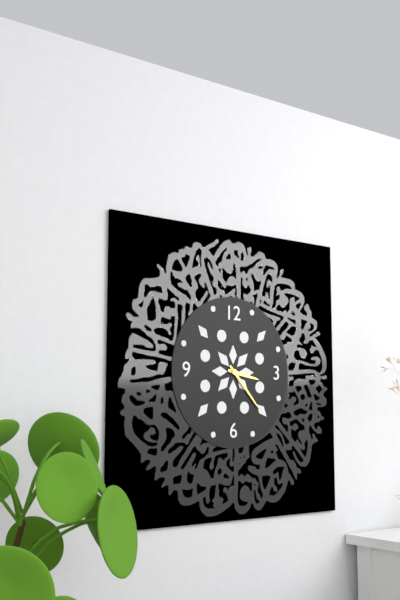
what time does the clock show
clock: 3:23
